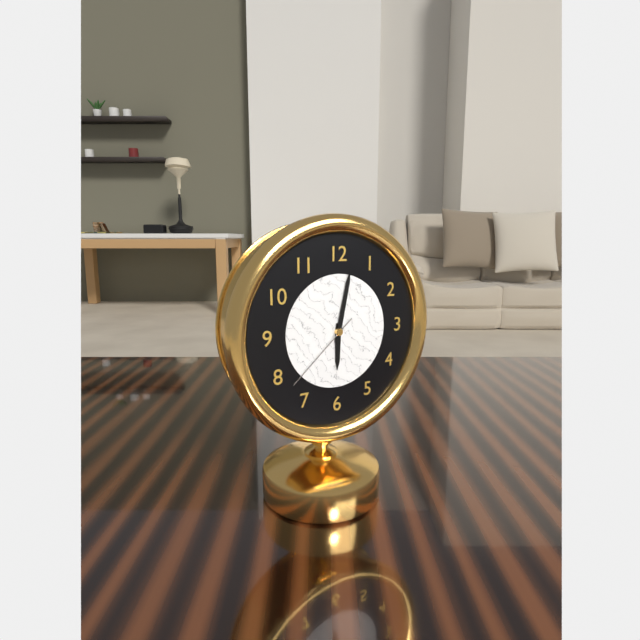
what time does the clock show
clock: 6:02:38
